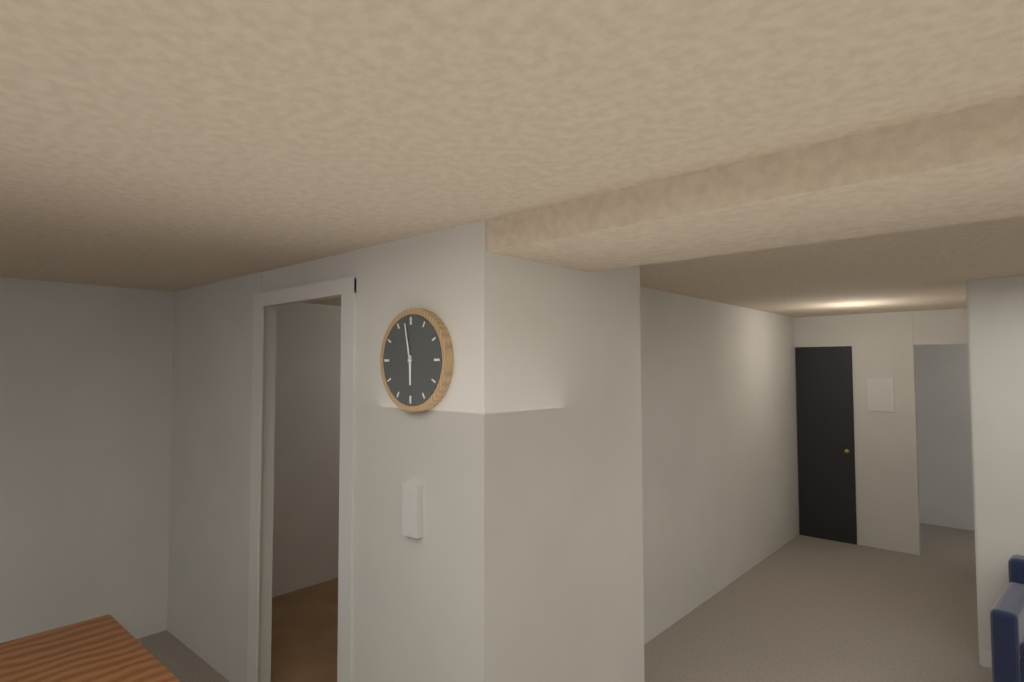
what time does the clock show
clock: 5:58
